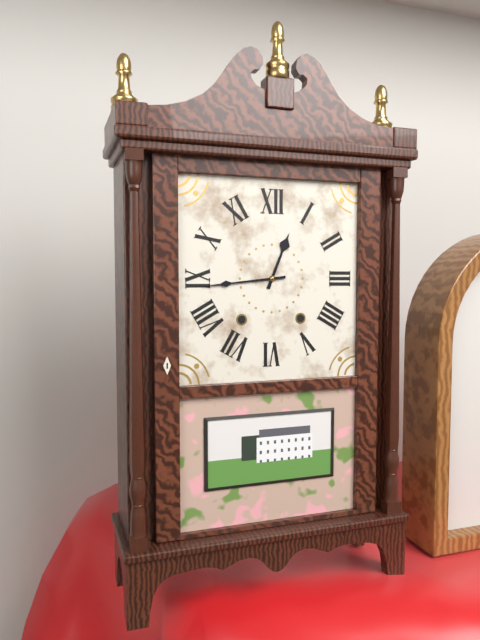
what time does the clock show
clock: 12:44
